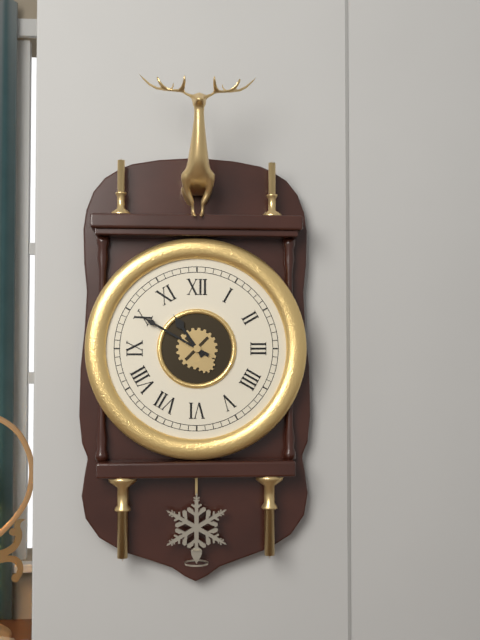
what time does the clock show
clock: 10:50
